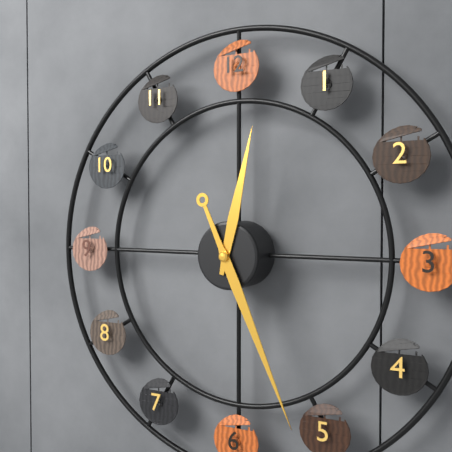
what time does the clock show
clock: 12:26
